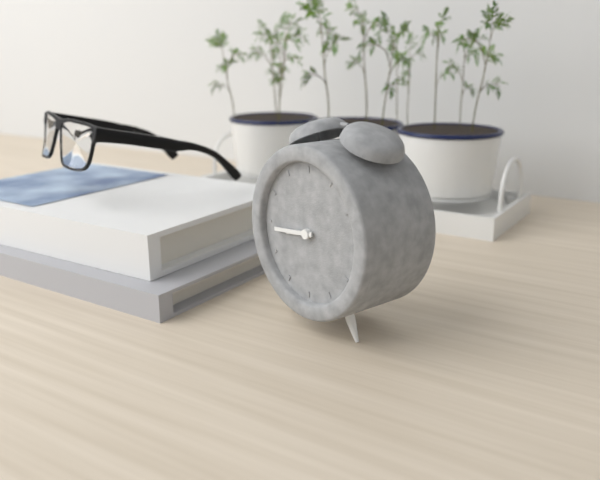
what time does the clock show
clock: 8:44
